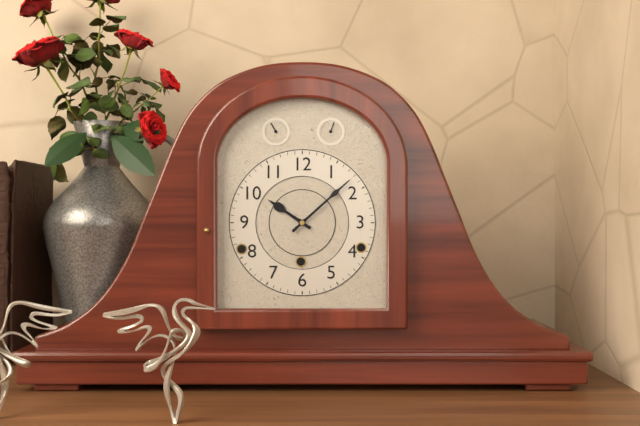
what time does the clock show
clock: 10:08
